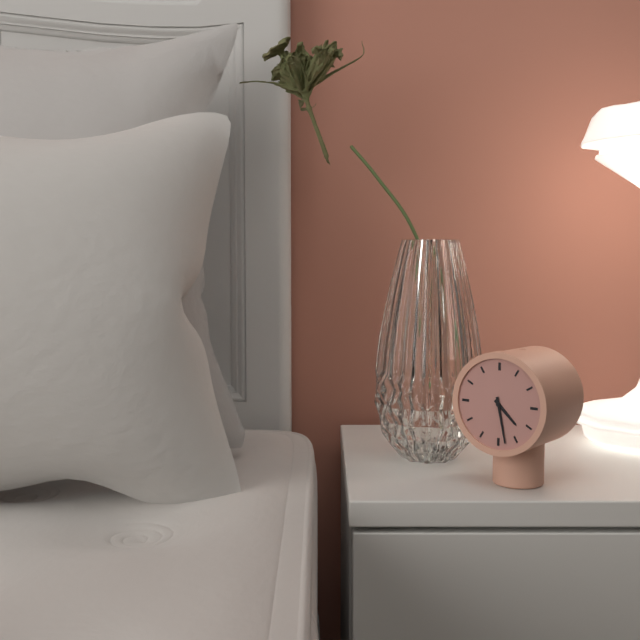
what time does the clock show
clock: 4:28
